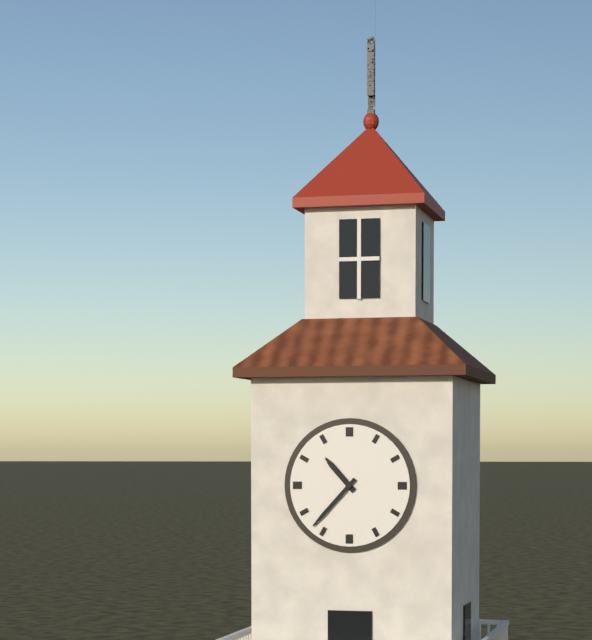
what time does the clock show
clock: 10:37
